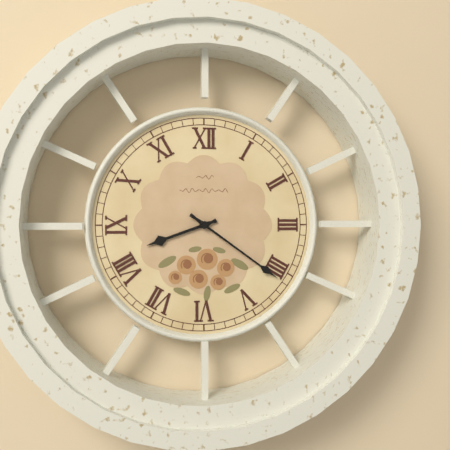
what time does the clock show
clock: 8:21
